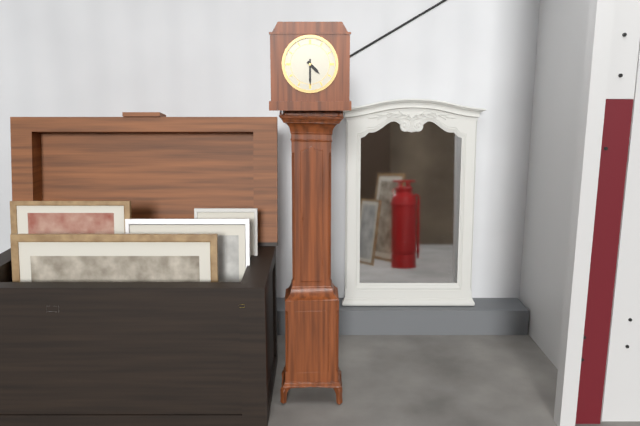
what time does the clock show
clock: 4:30
